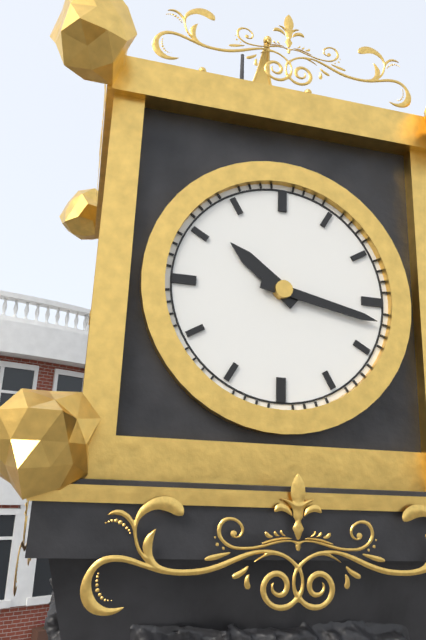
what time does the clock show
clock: 10:17
